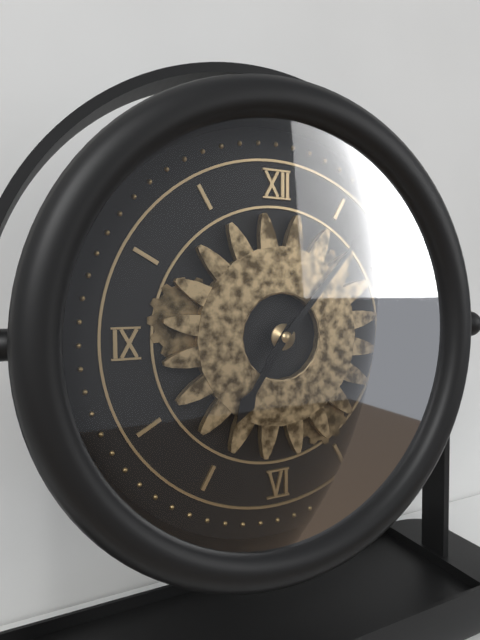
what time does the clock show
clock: 7:07
